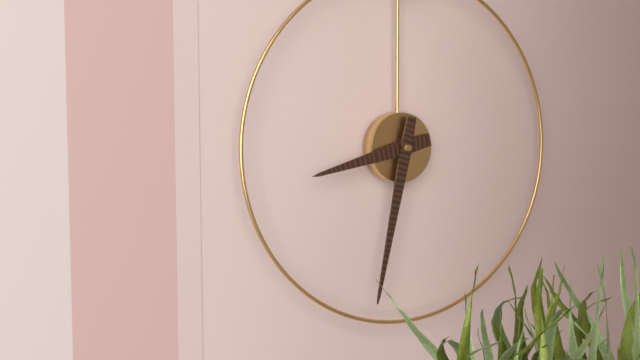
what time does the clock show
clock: 8:32
